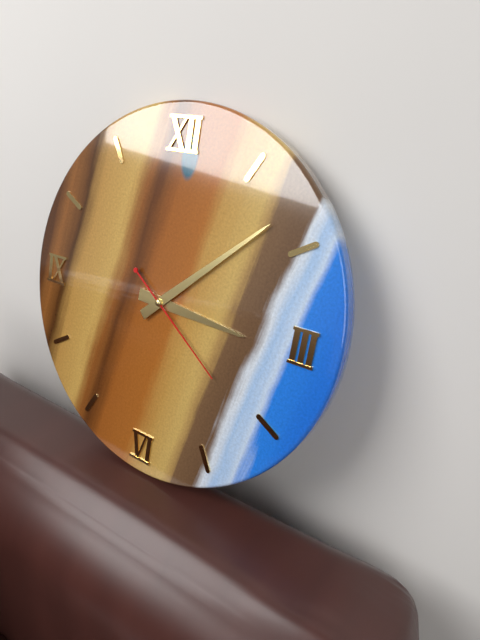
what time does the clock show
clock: 3:08:21
